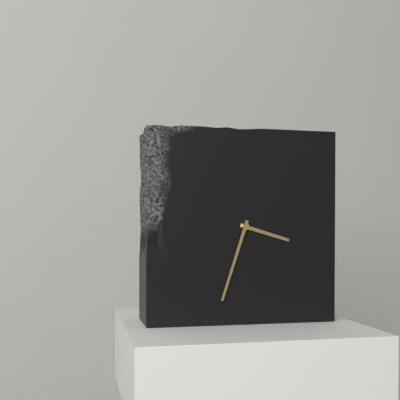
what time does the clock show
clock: 3:33
